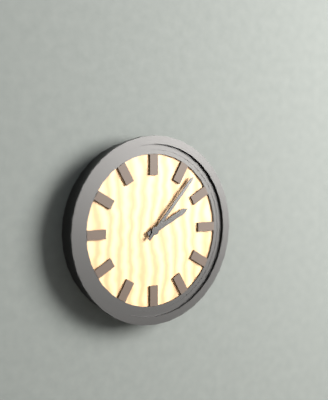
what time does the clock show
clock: 2:07
